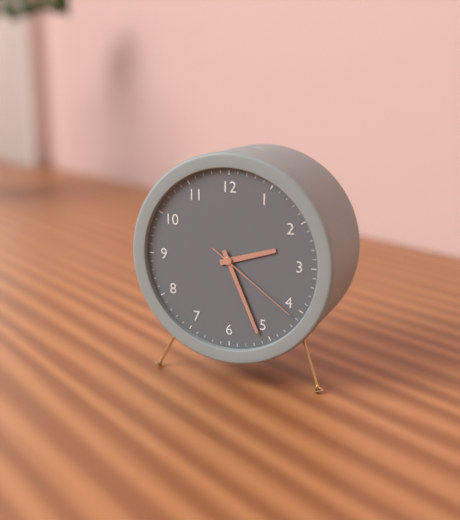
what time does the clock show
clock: 2:26:21
